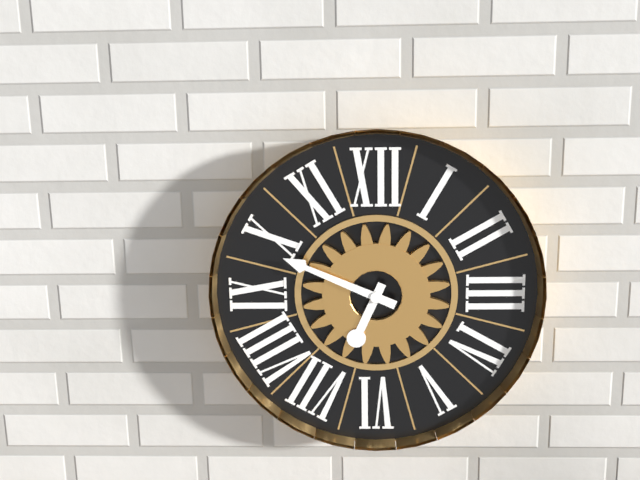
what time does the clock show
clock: 6:49
